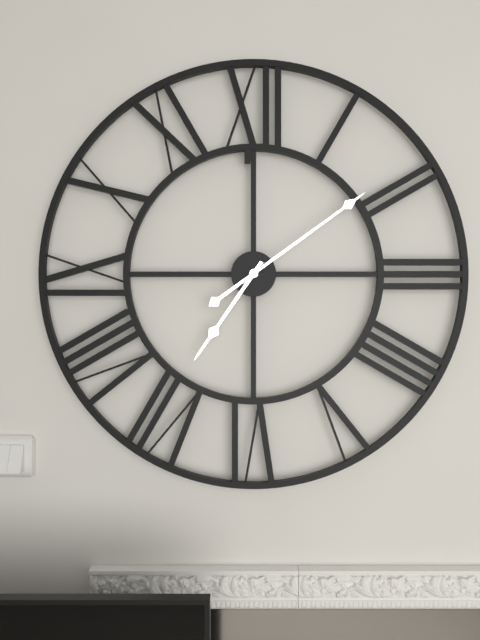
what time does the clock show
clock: 7:09
